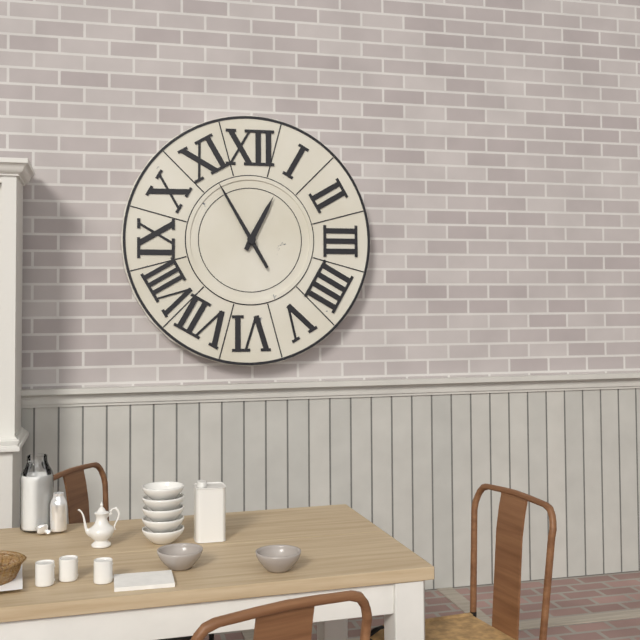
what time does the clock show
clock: 12:55
